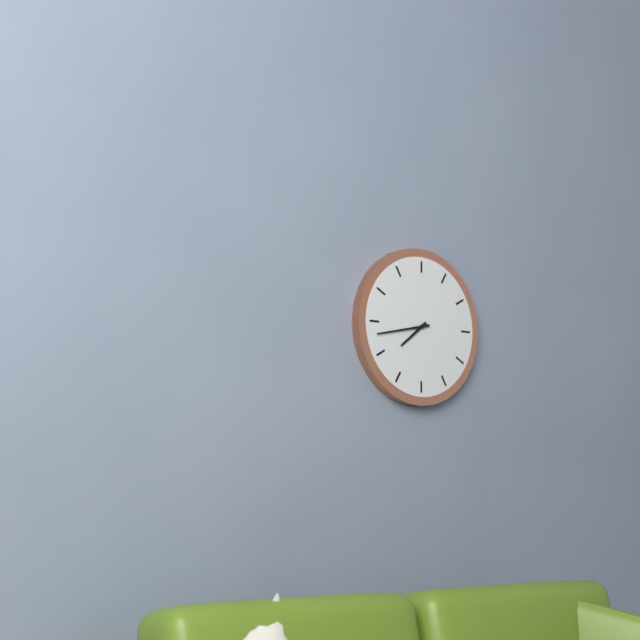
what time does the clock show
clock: 7:43
